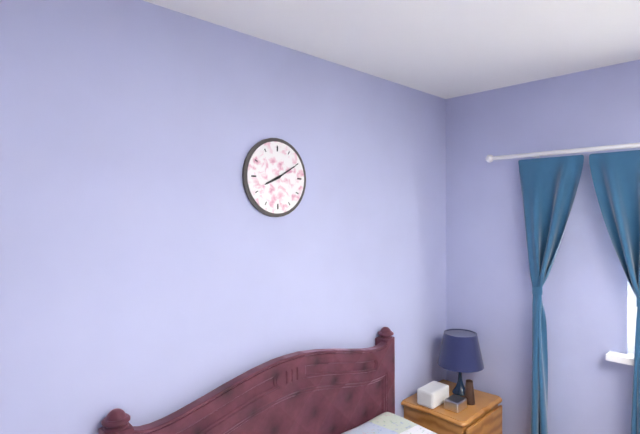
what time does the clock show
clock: 8:10
